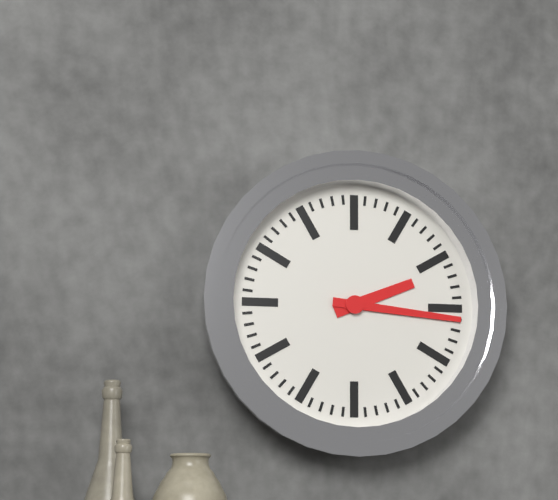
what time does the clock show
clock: 2:16
